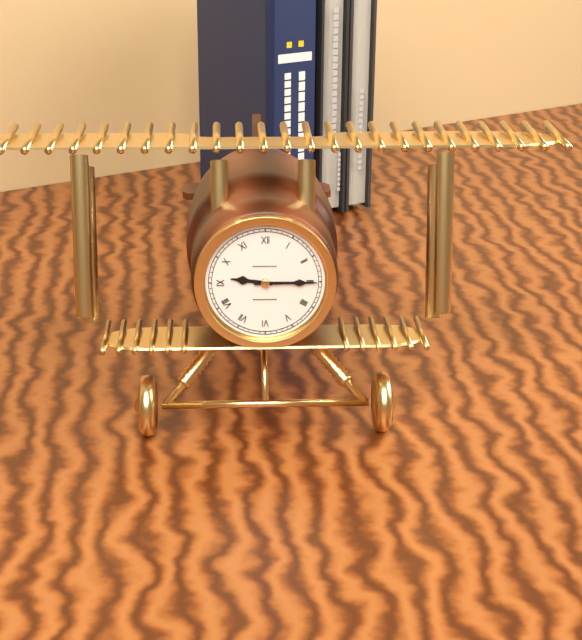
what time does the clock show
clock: 9:15
